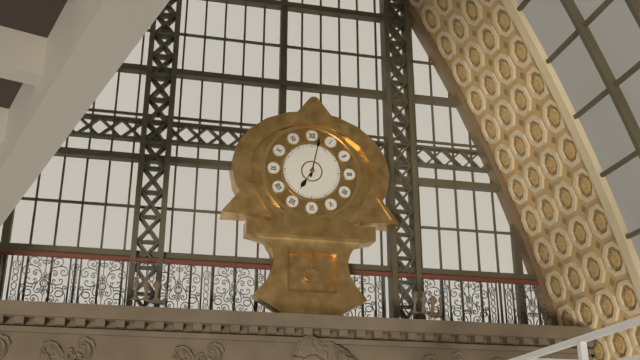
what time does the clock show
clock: 7:02
